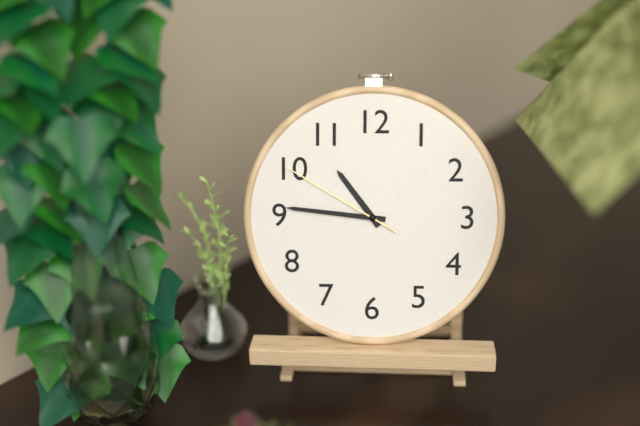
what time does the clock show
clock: 10:46:50
